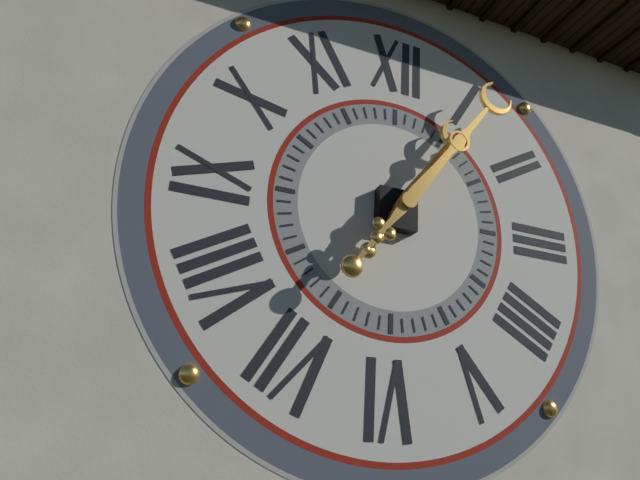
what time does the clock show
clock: 1:06
